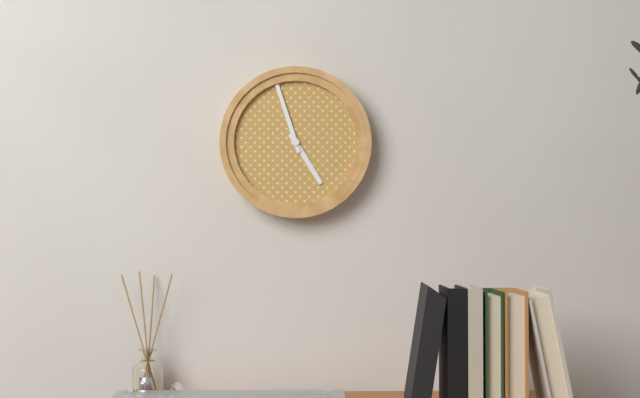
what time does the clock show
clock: 4:57
